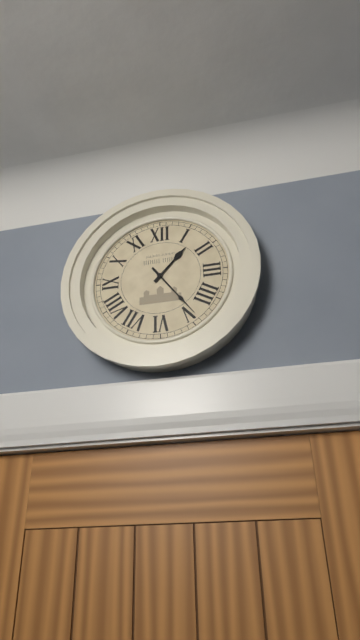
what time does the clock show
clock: 1:24
